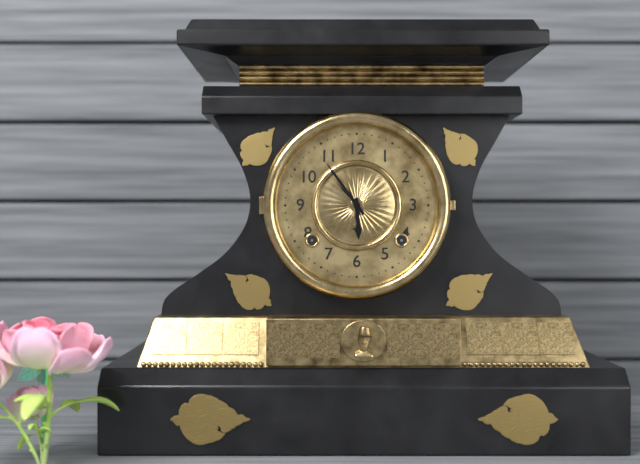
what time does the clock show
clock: 5:54
